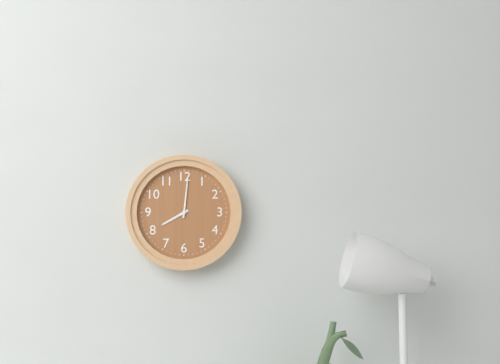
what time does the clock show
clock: 8:01
